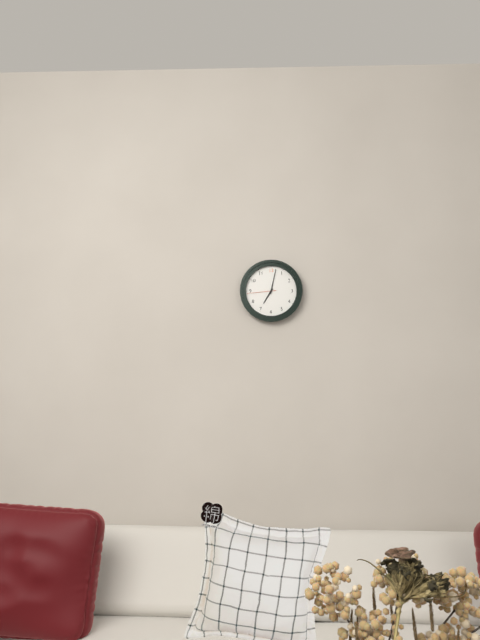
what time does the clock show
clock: 7:02
